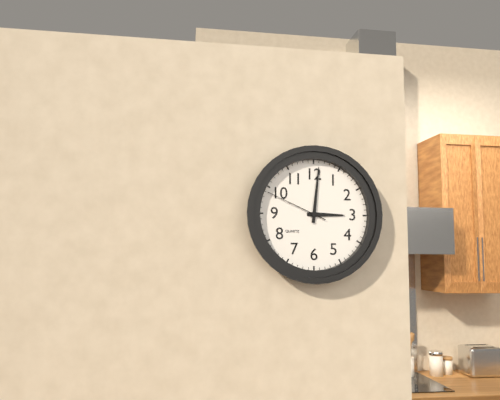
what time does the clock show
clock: 3:01:49
